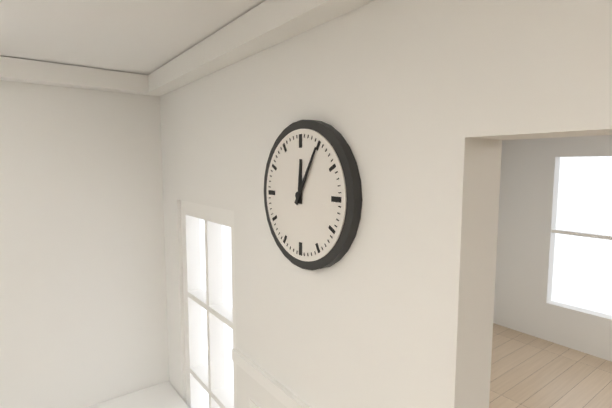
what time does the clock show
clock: 12:05
